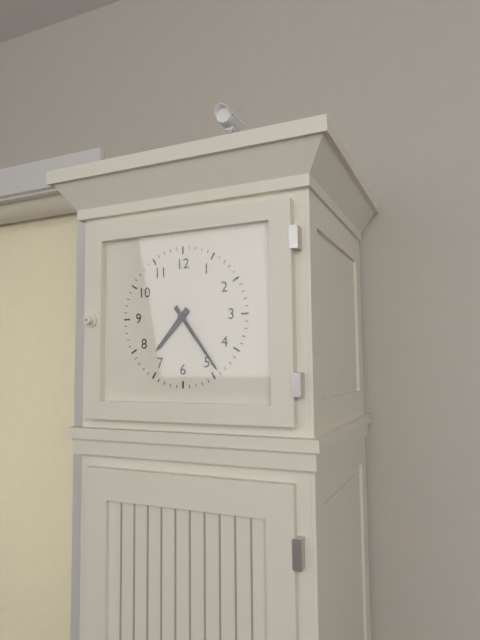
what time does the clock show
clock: 7:24
